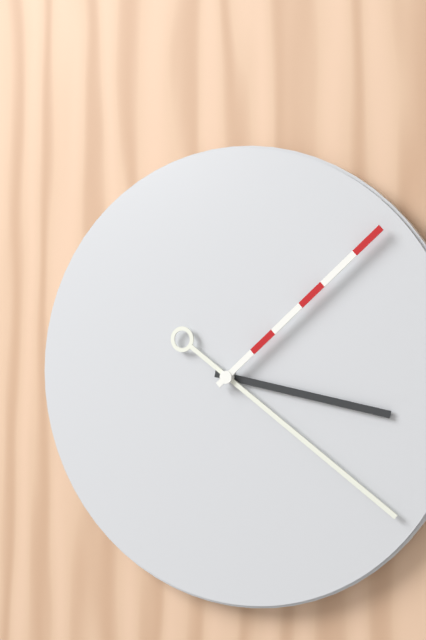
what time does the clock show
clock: 3:21:08
